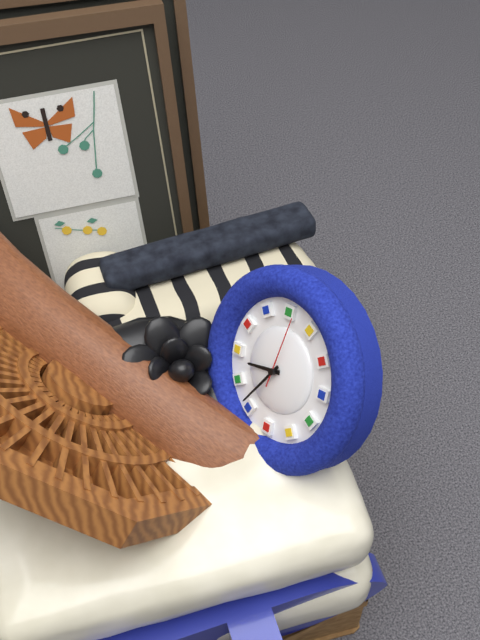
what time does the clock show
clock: 9:41:07
